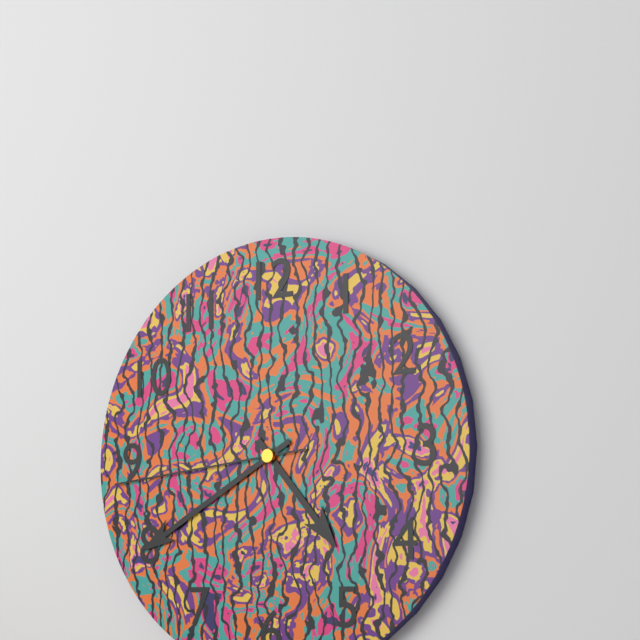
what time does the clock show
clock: 4:40:44
